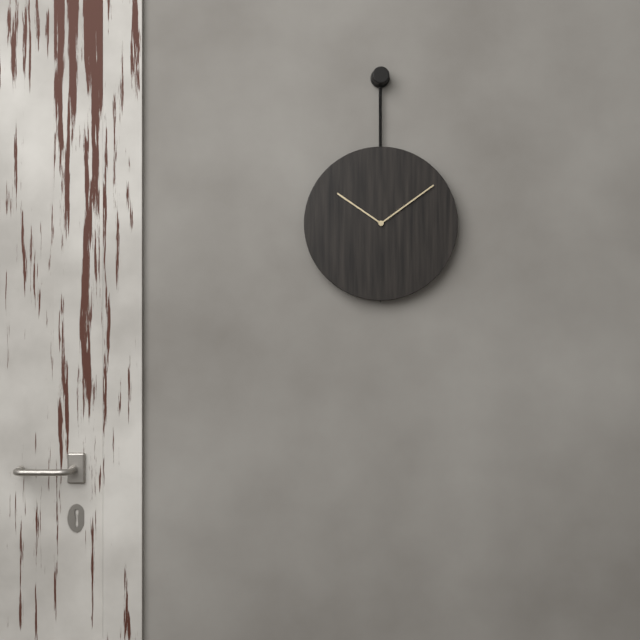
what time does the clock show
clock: 10:09
